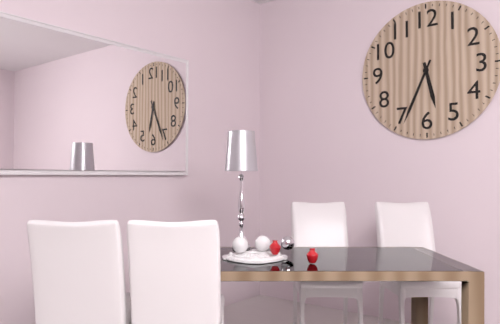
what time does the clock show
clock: 5:34
